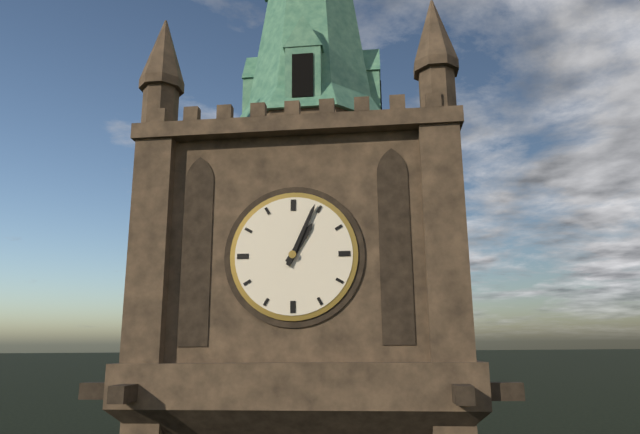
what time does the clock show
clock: 1:04
